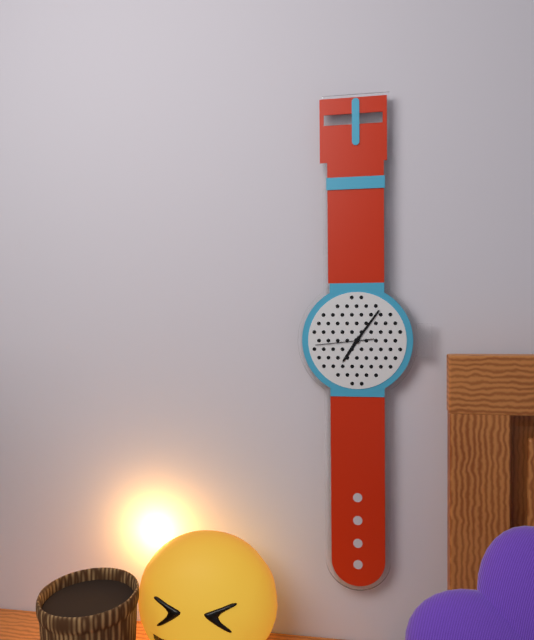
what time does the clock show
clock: 7:06:44
